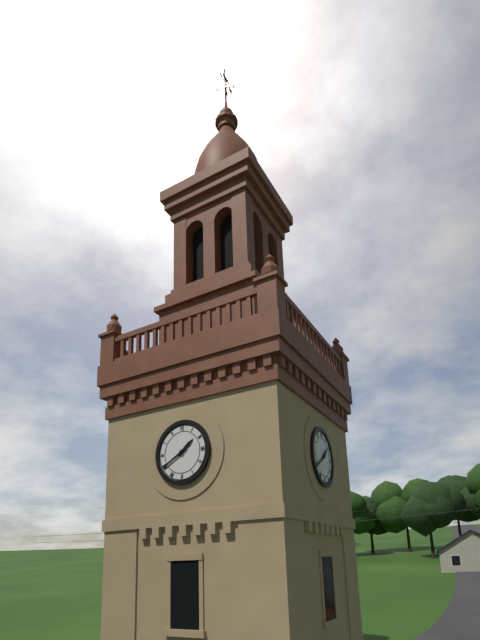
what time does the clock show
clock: 1:40
